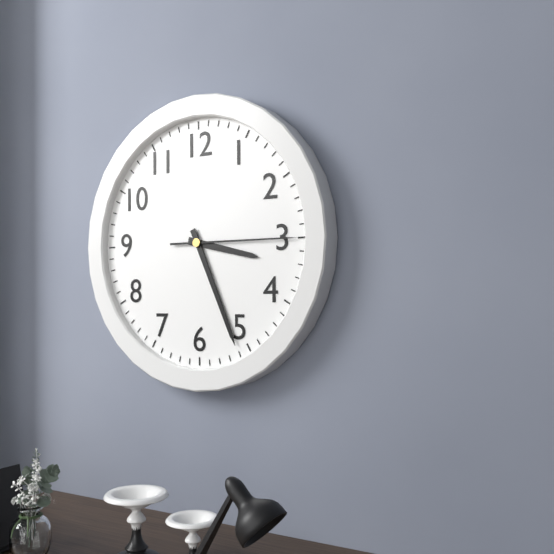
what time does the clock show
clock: 3:26:15
